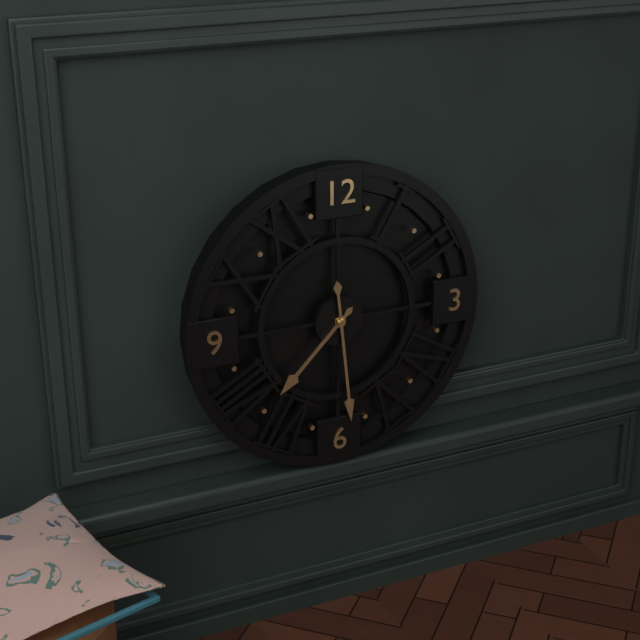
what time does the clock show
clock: 7:29
